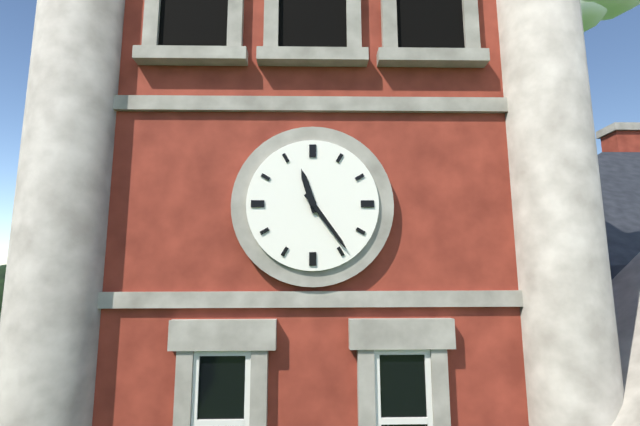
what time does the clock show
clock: 11:24
